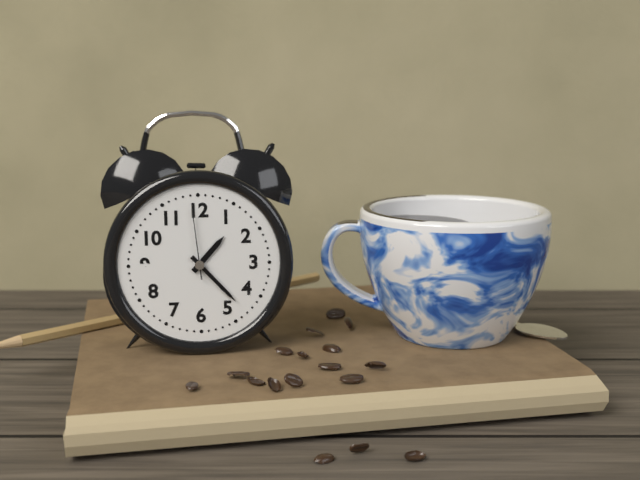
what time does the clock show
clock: 1:23:59
